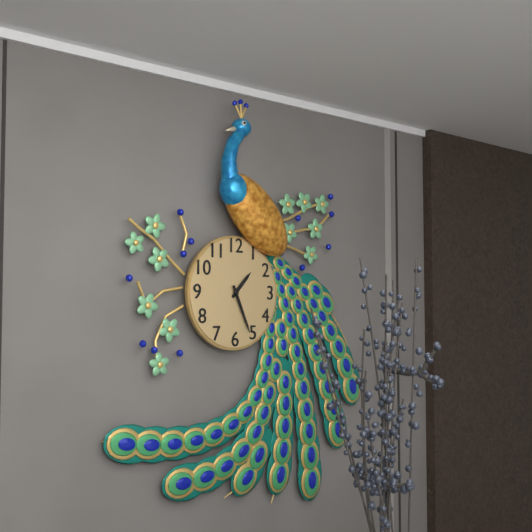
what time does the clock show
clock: 1:26
